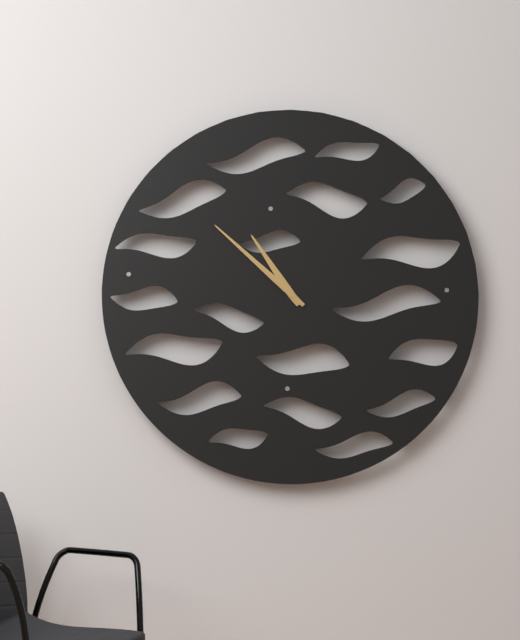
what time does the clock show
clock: 10:52
